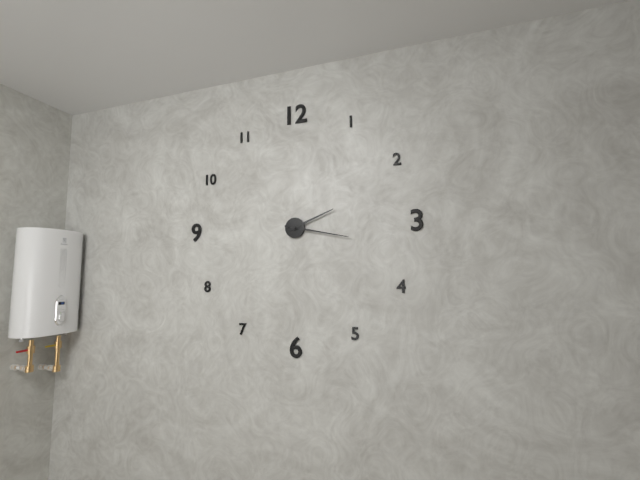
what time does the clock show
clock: 2:17
